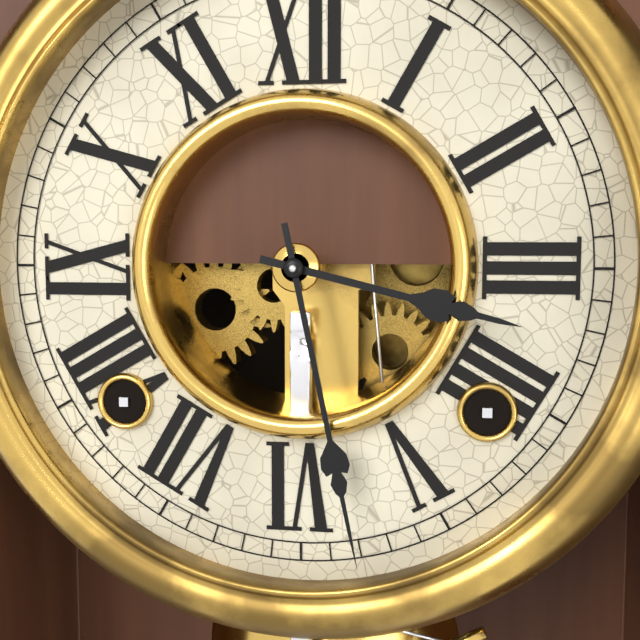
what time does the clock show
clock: 3:28
